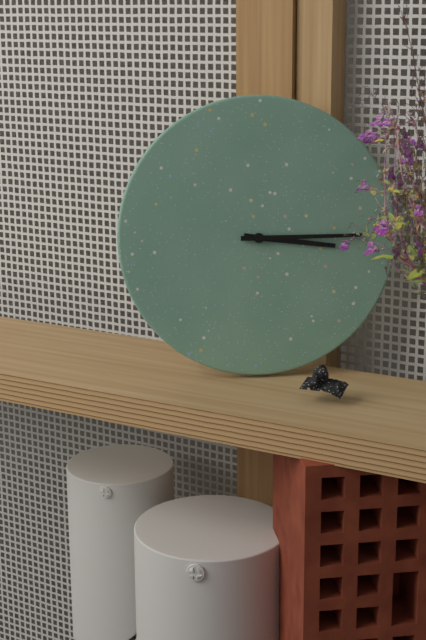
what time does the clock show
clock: 3:15
